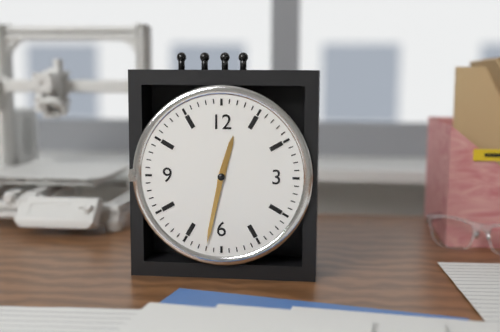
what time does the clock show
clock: 12:32
